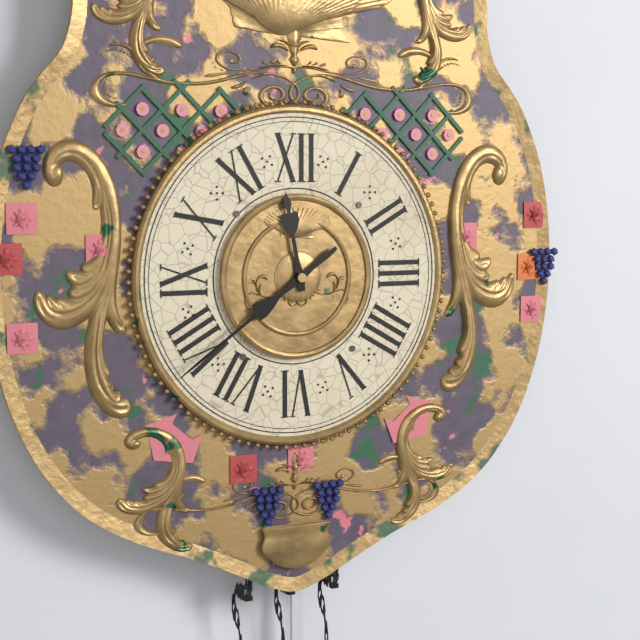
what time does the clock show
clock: 11:39
